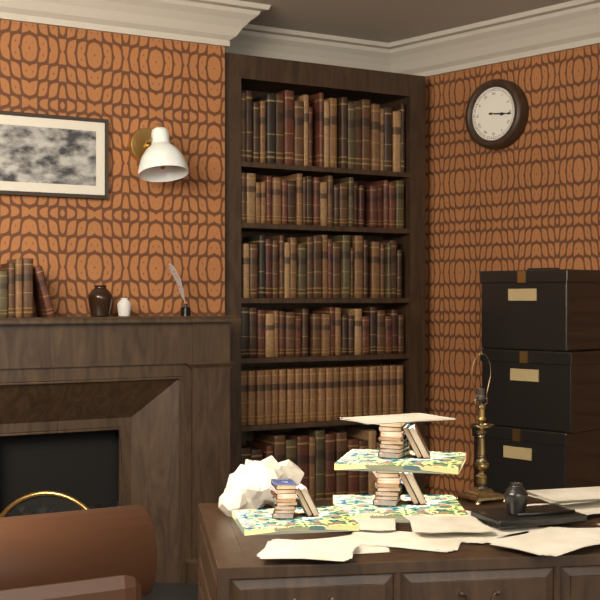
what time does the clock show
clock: 3:16
